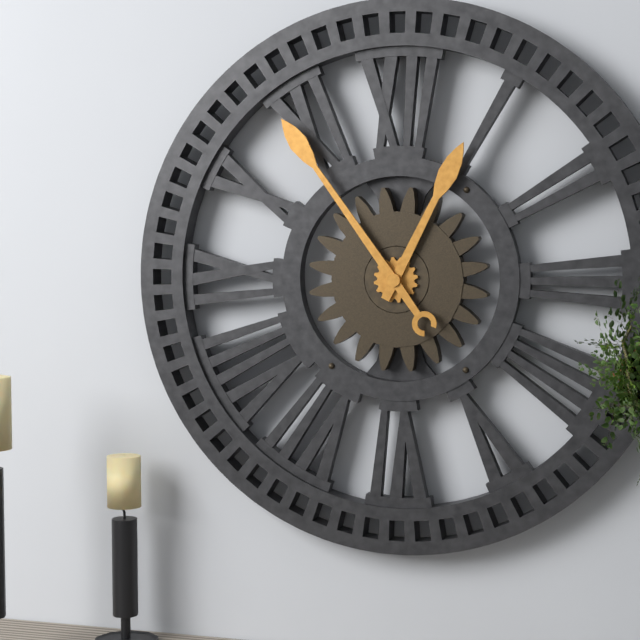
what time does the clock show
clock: 12:54
